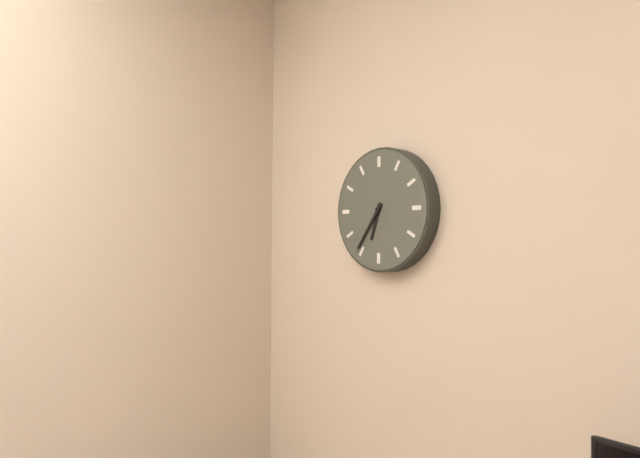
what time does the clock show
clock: 6:36
